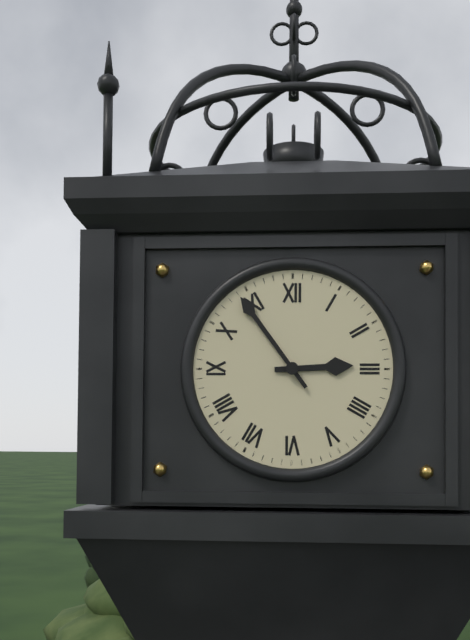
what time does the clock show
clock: 2:54
